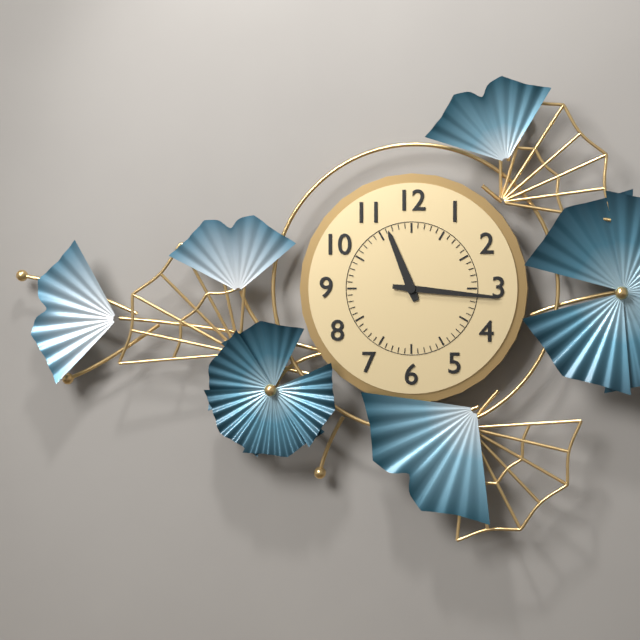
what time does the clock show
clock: 11:16
